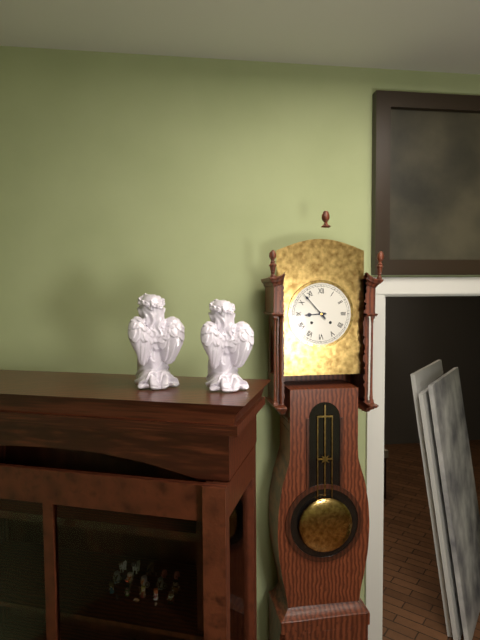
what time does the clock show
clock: 8:53
